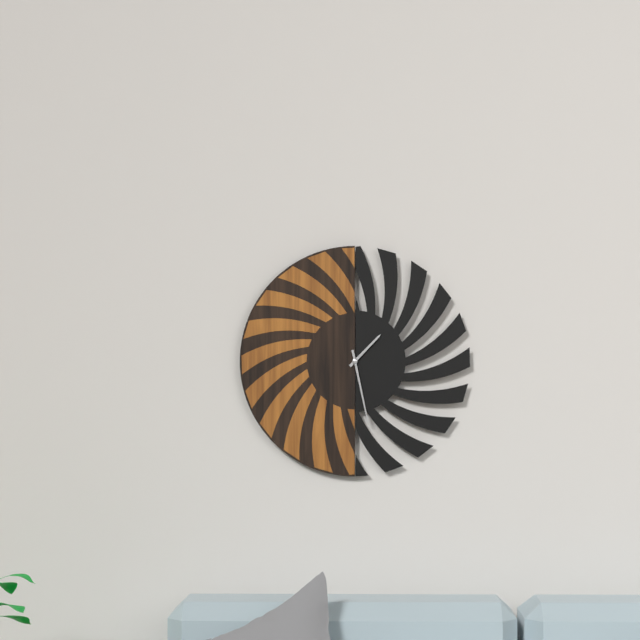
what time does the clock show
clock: 1:28
